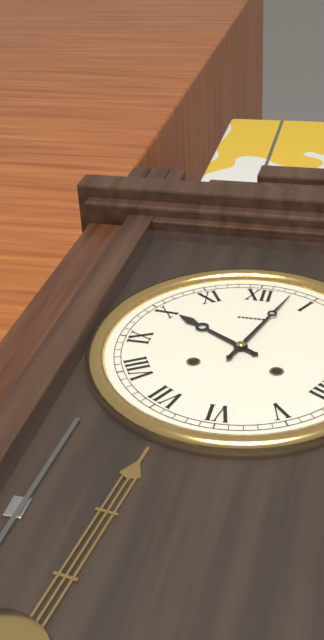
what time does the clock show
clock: 10:03
